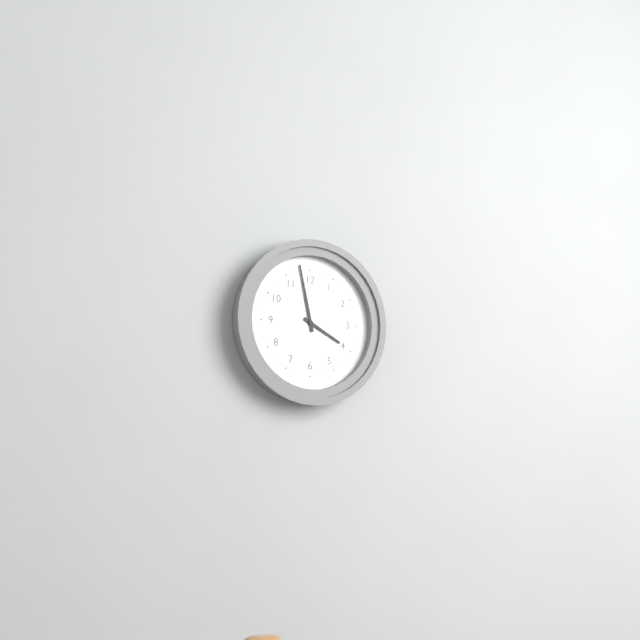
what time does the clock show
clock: 3:58
